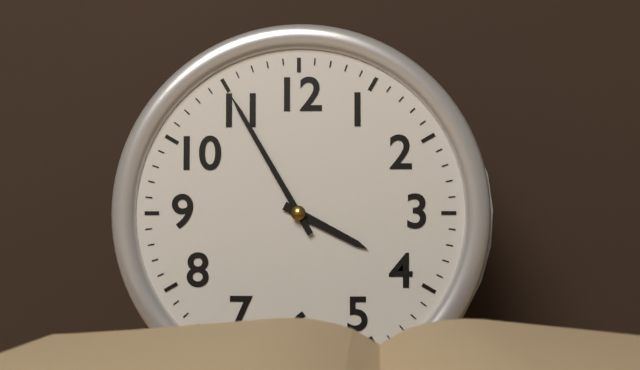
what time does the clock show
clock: 3:55
